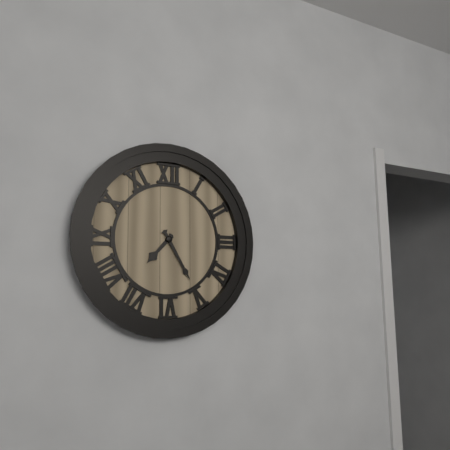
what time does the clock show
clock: 7:25
